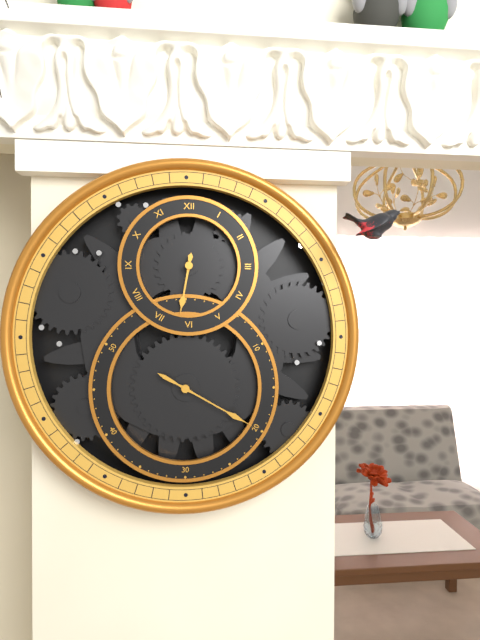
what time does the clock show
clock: 6:20
